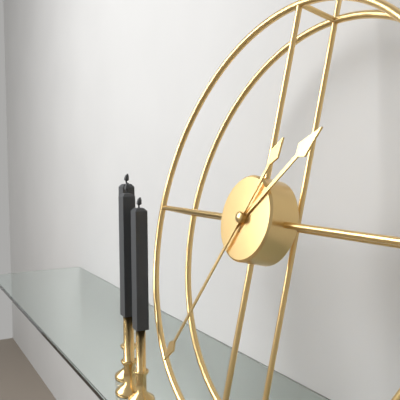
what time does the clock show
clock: 1:35
